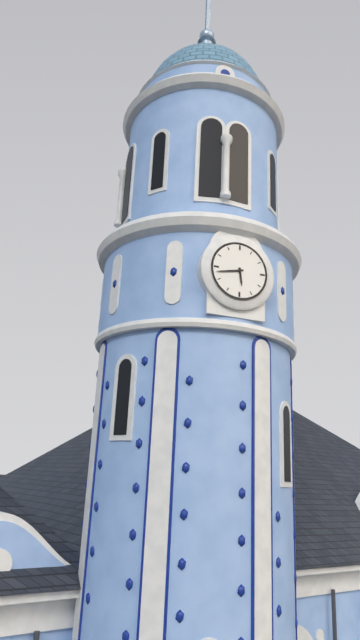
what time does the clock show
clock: 5:43
